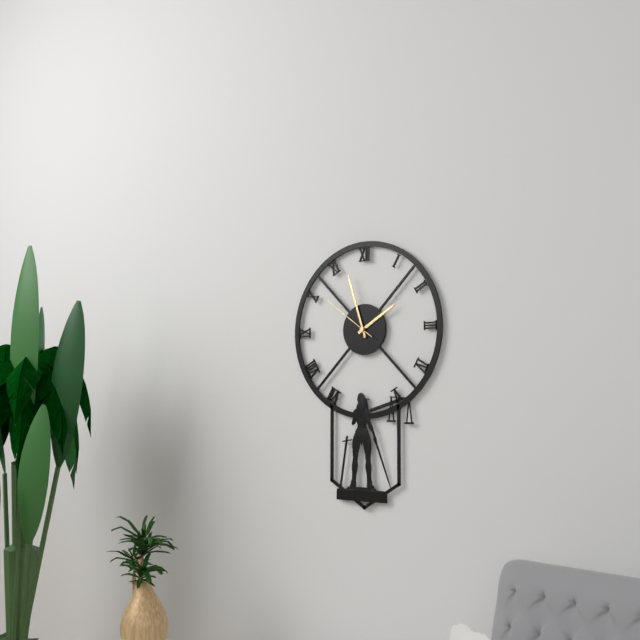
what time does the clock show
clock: 1:57:51
